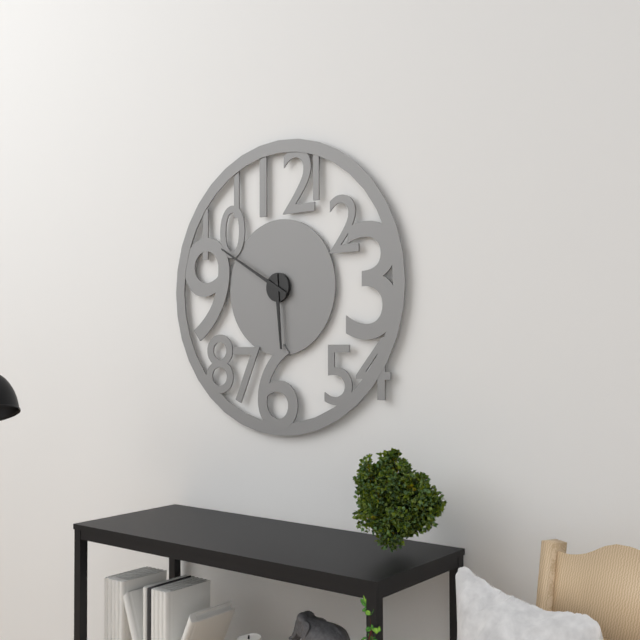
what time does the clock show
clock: 5:50
